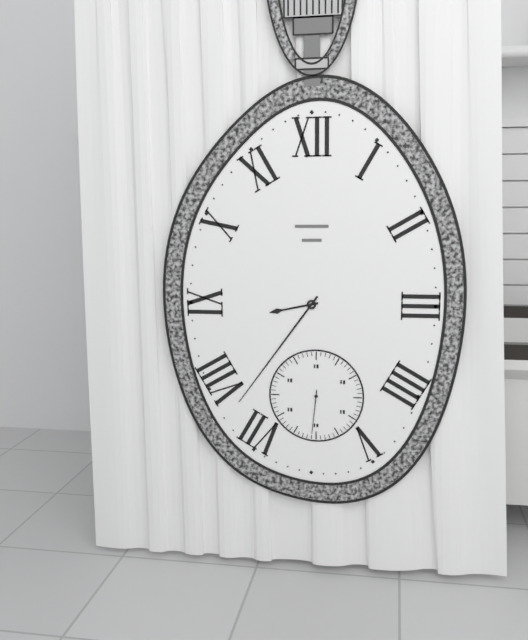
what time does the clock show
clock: 8:36
